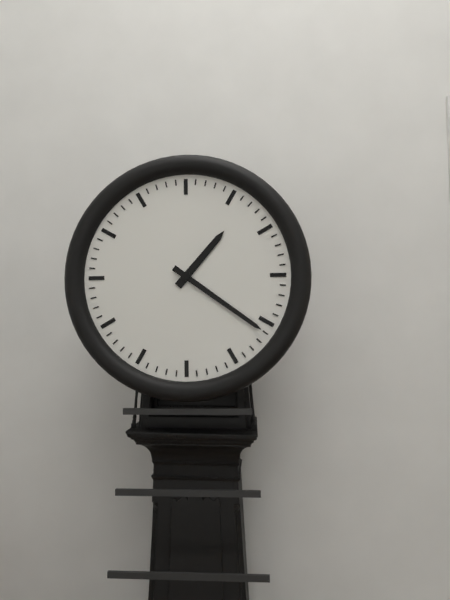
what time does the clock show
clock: 1:21
